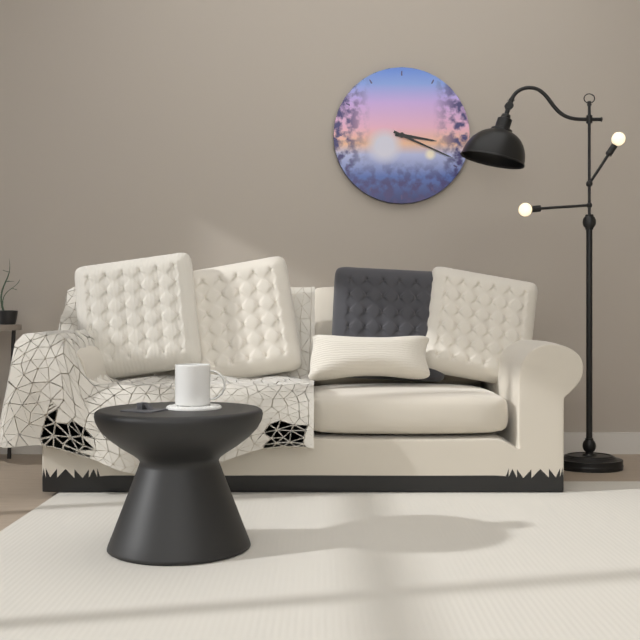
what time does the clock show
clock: 3:19
